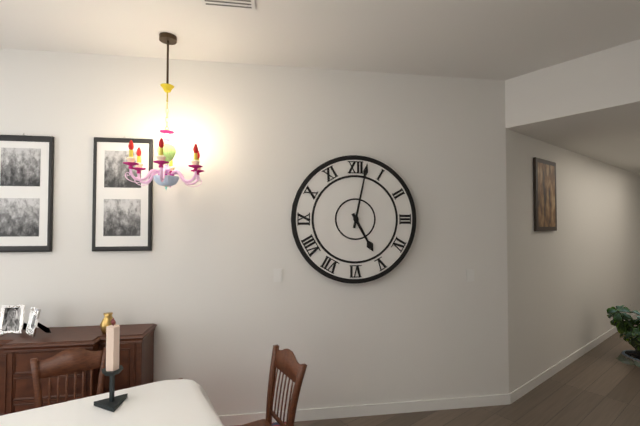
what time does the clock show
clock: 5:02
